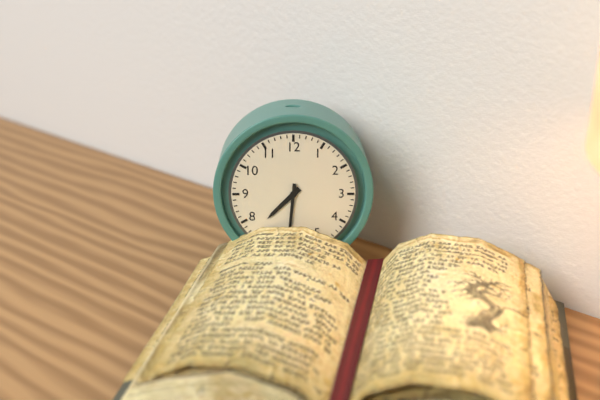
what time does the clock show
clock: 7:31
